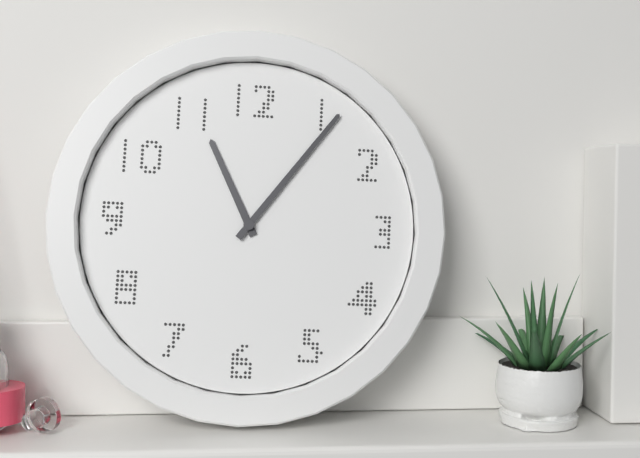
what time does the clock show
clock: 11:06
